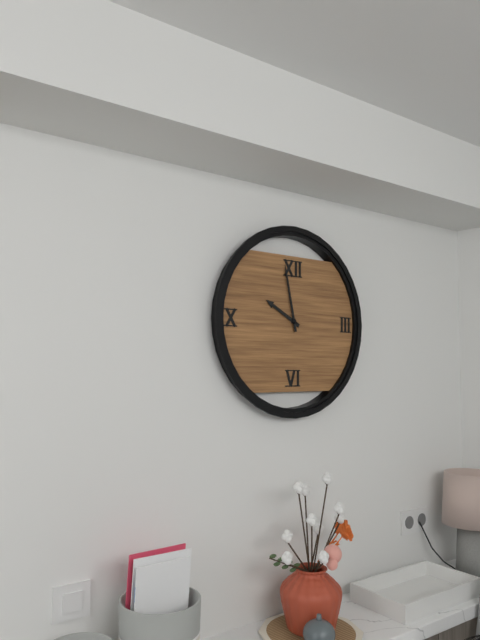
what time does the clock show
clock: 9:58
